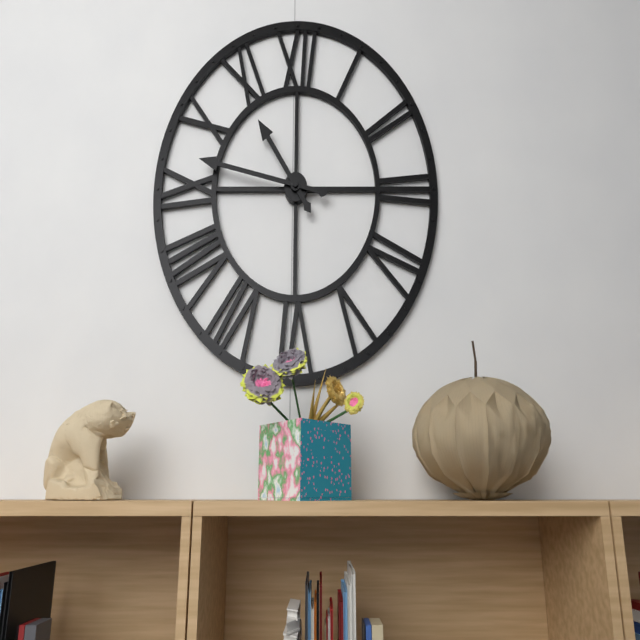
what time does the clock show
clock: 10:47
